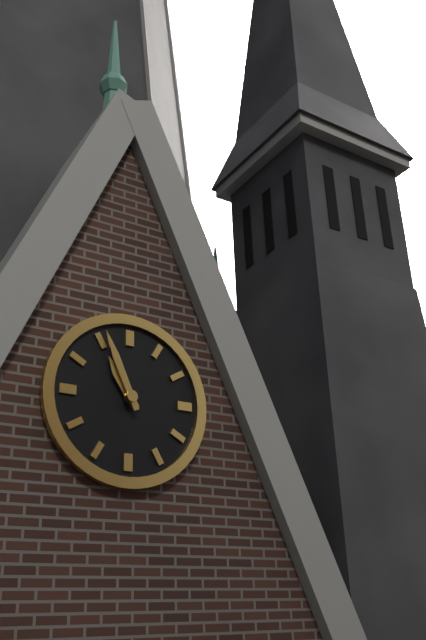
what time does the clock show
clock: 10:56
